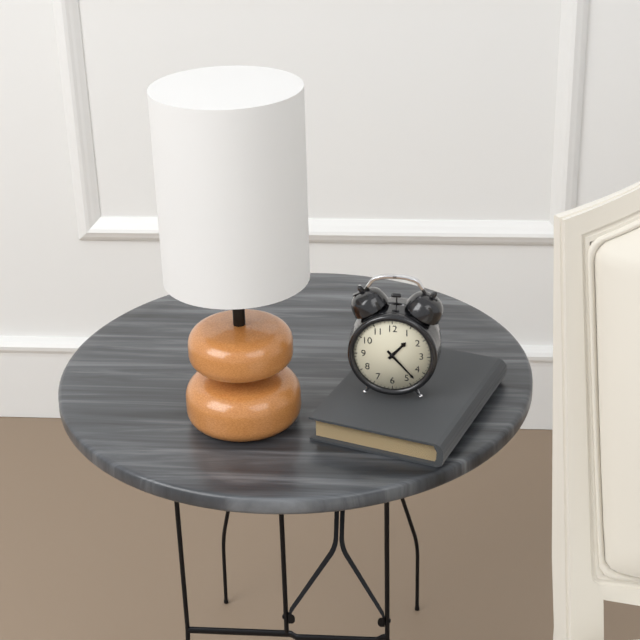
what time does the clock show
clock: 1:23
